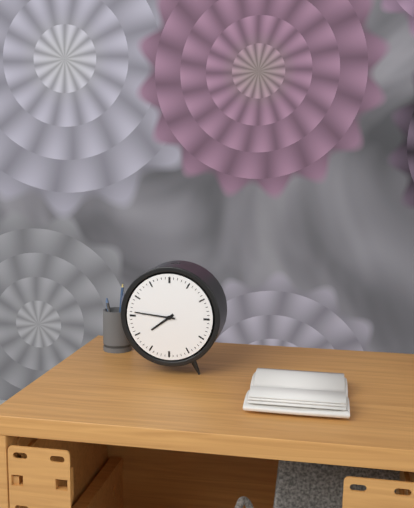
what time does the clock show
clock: 7:46
